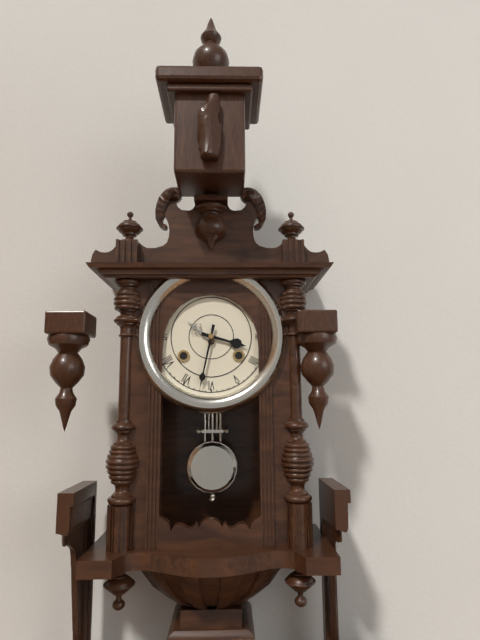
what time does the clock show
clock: 3:32
